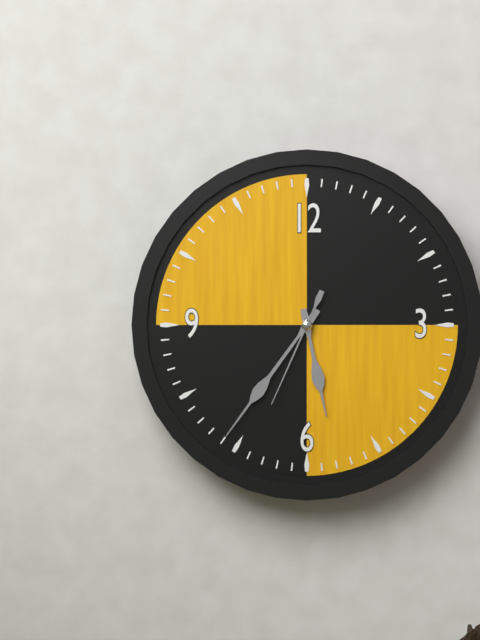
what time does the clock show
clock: 5:36:34
